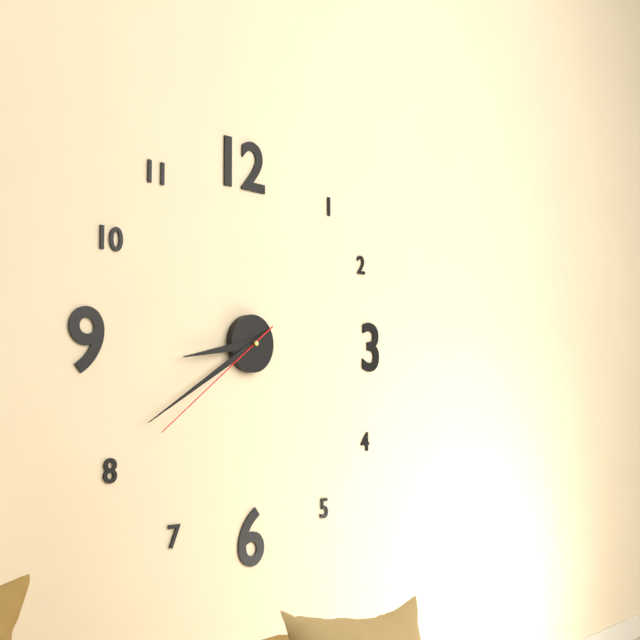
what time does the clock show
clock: 8:40:39
